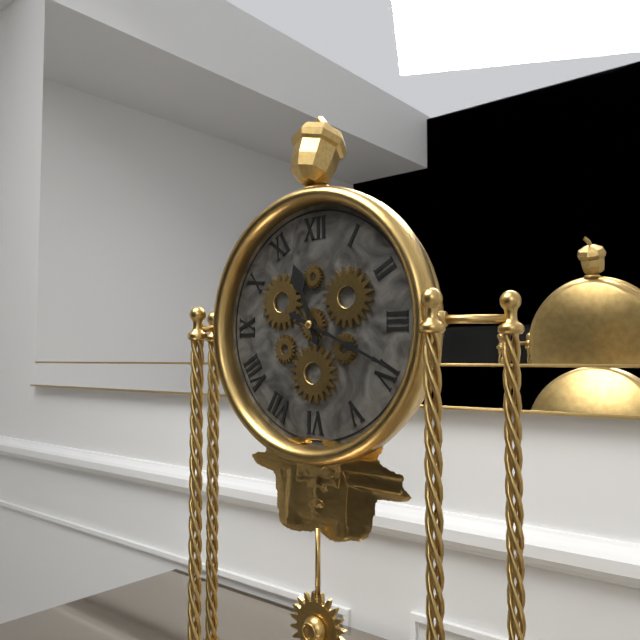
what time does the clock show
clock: 11:19
